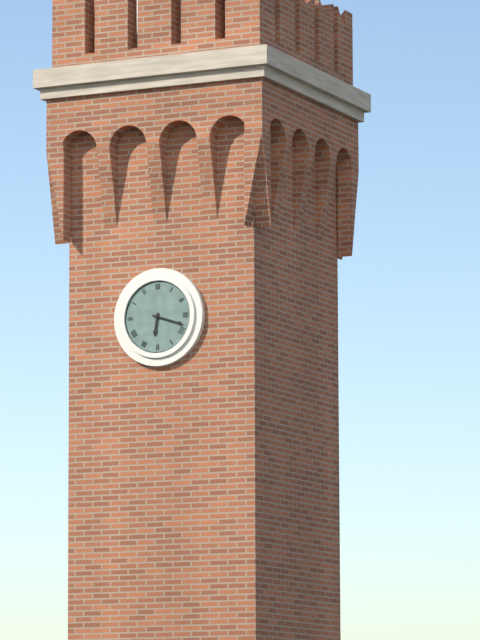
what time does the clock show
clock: 6:18
